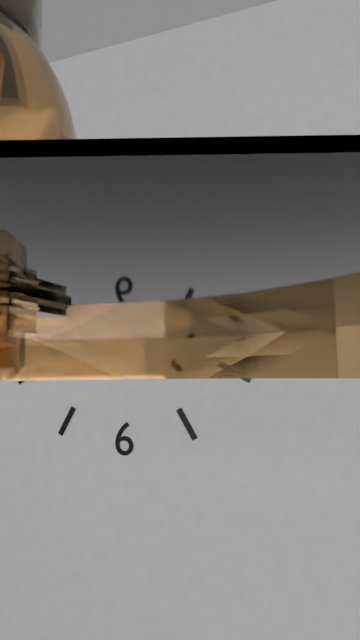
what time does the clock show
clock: 12:38
